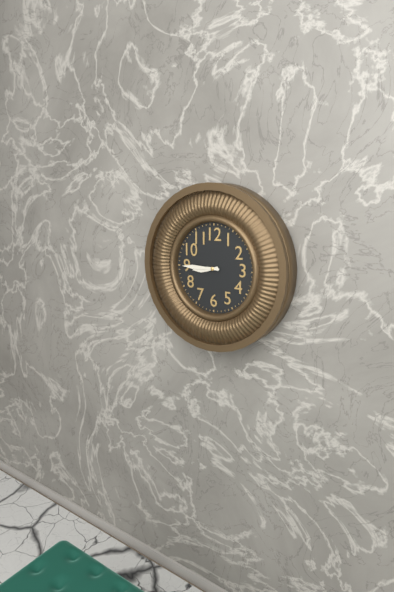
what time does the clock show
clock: 8:45
